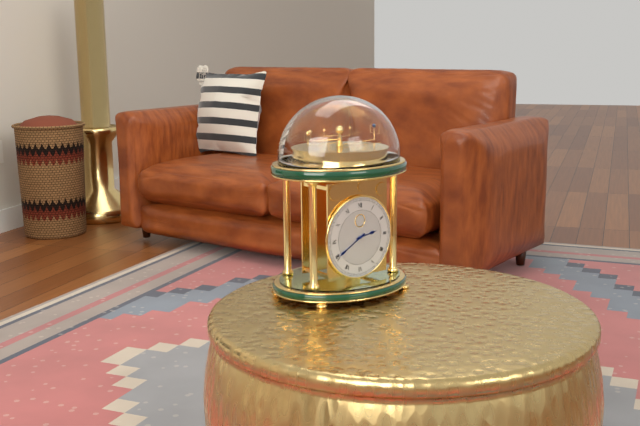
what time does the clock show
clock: 2:40
